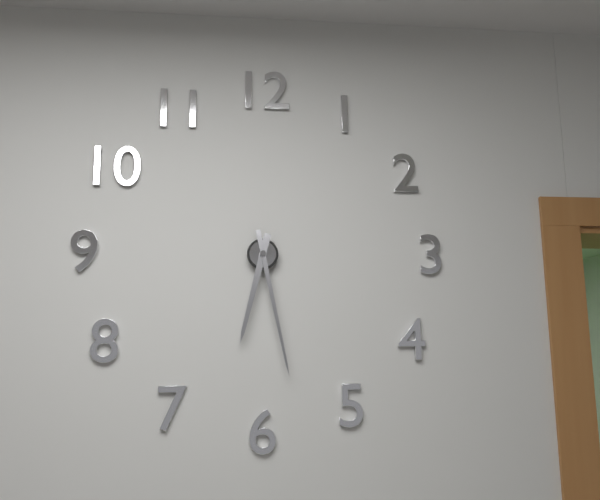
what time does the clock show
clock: 6:28
